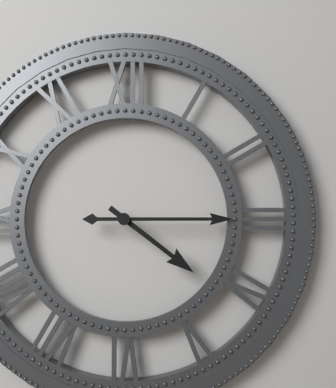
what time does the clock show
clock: 4:15
